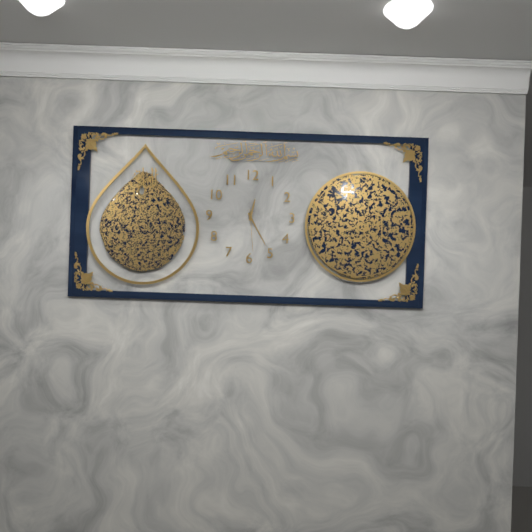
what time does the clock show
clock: 12:25
